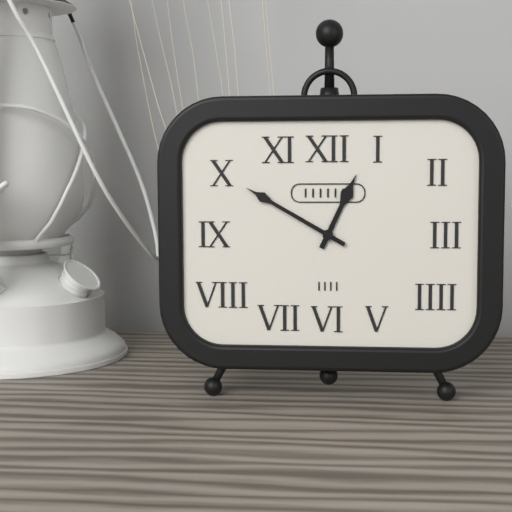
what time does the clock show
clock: 12:50
